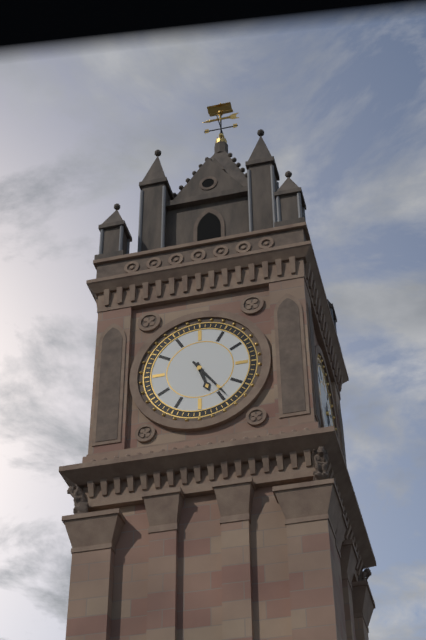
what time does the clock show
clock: 5:24
